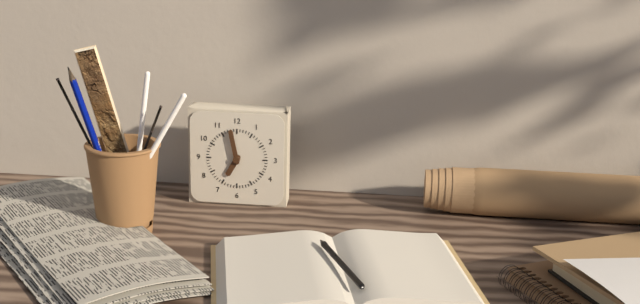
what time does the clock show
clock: 6:58
